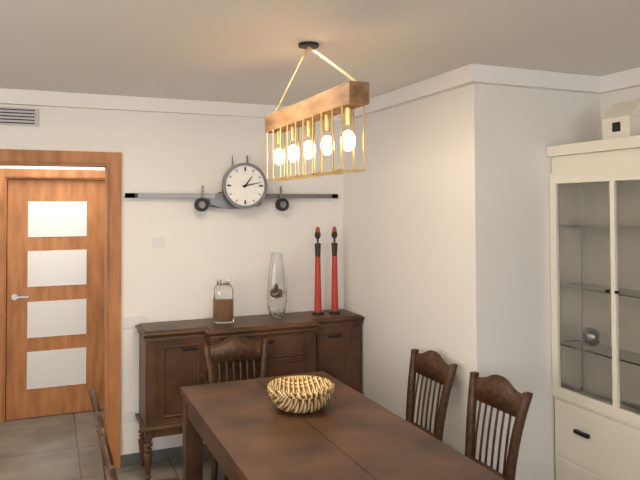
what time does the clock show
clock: 1:13
